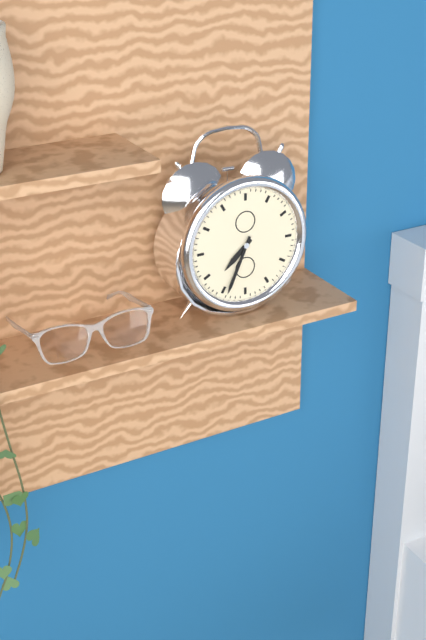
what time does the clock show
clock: 7:34
